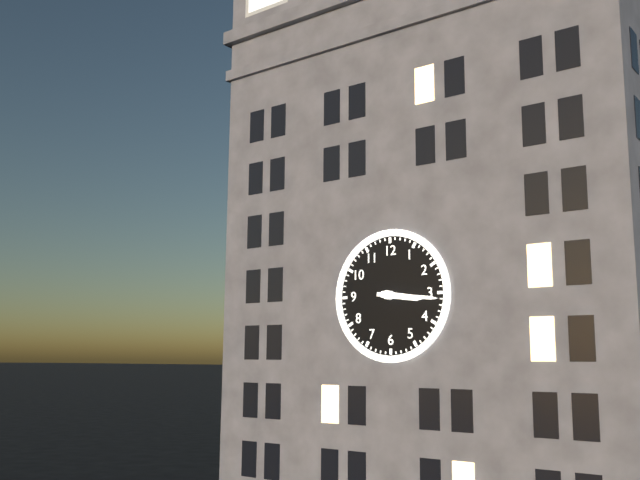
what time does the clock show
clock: 3:16
